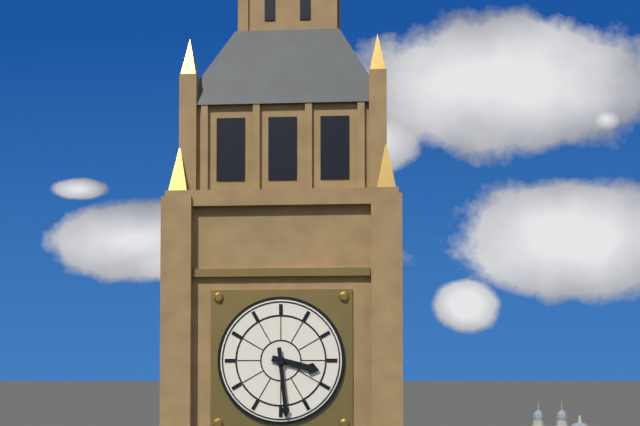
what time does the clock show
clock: 3:29
